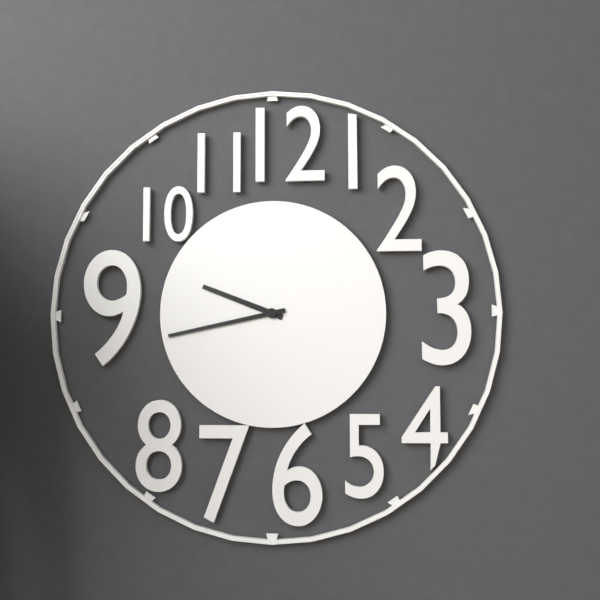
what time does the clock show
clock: 9:43
